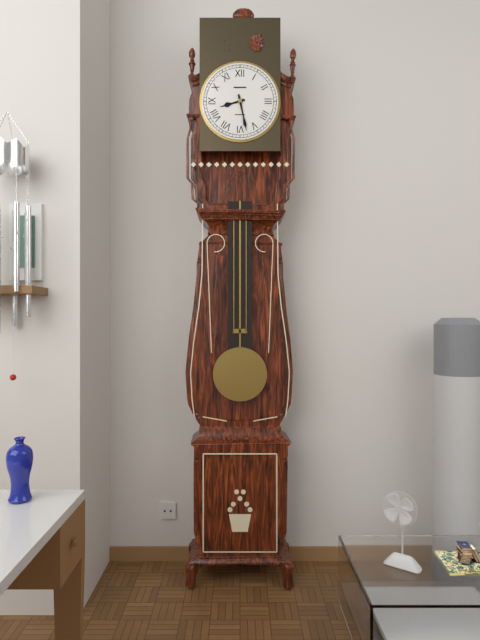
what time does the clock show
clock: 8:28
